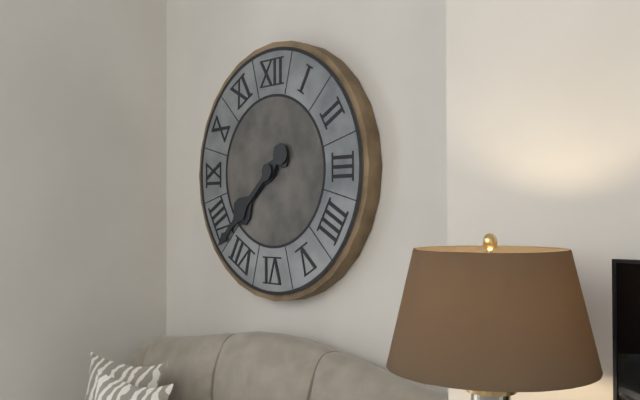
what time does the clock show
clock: 7:38
